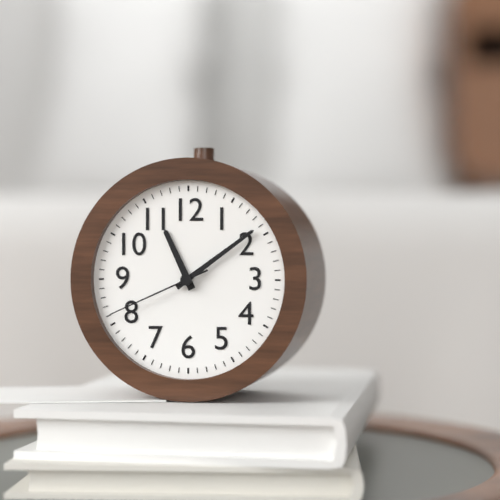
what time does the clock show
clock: 11:09:41
